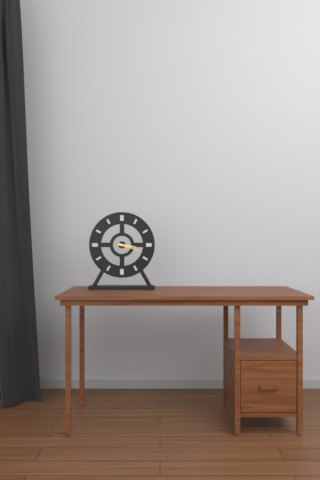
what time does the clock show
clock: 3:18
